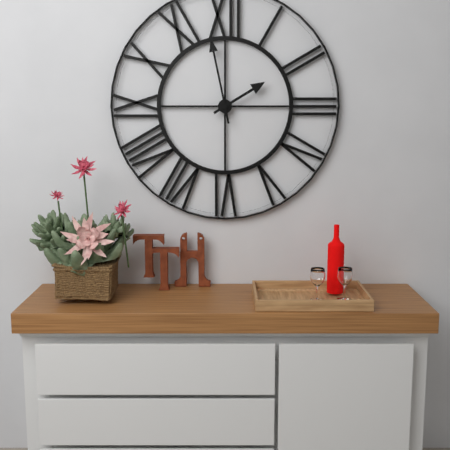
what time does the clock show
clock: 1:58
